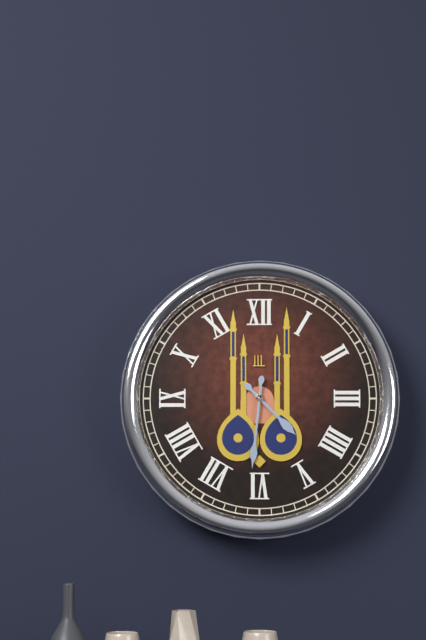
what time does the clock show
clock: 4:31
